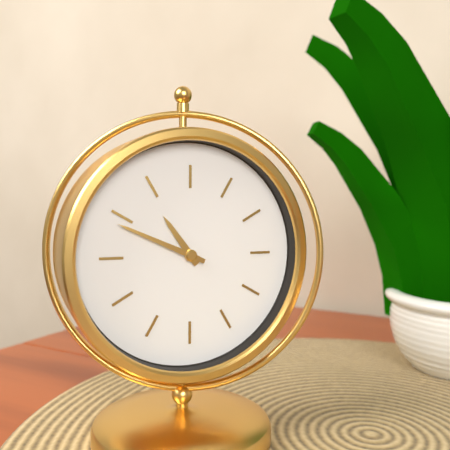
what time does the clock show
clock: 10:49
